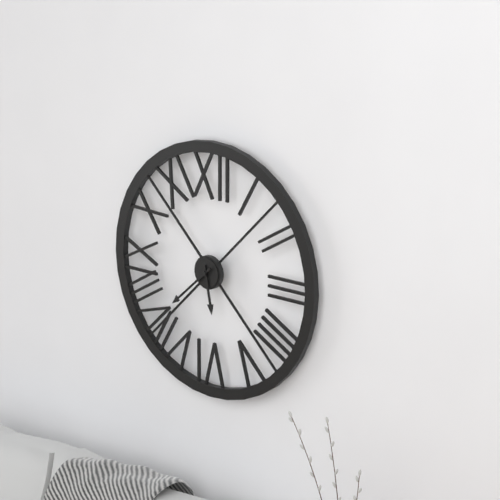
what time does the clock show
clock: 5:38
